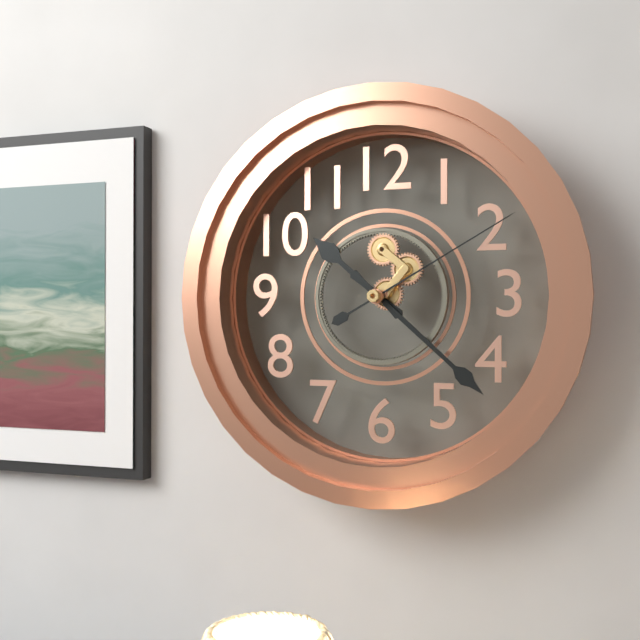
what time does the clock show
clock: 10:22:10
